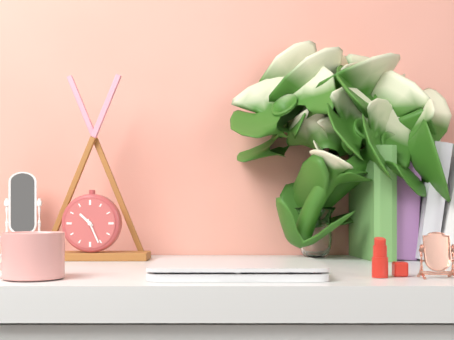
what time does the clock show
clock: 10:26
